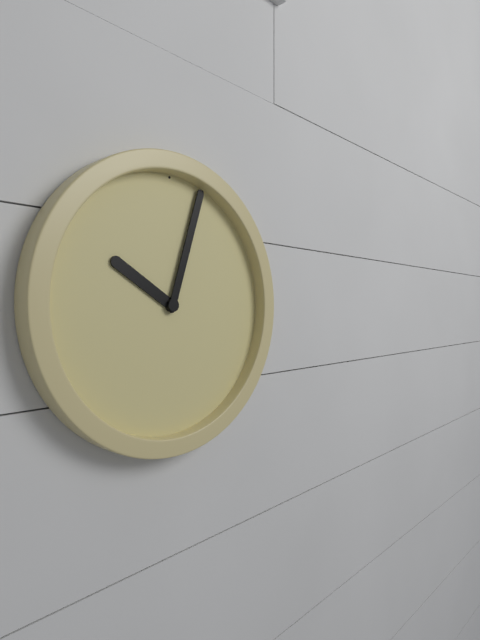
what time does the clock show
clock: 10:03
